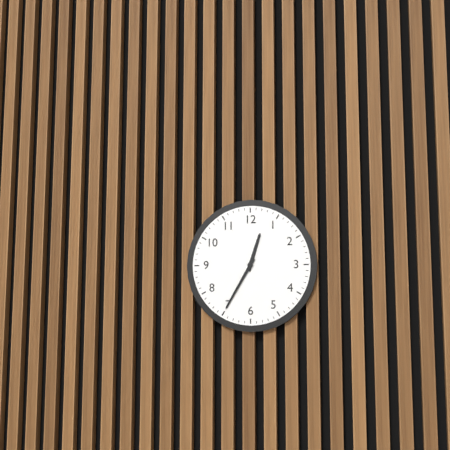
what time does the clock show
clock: 12:35
